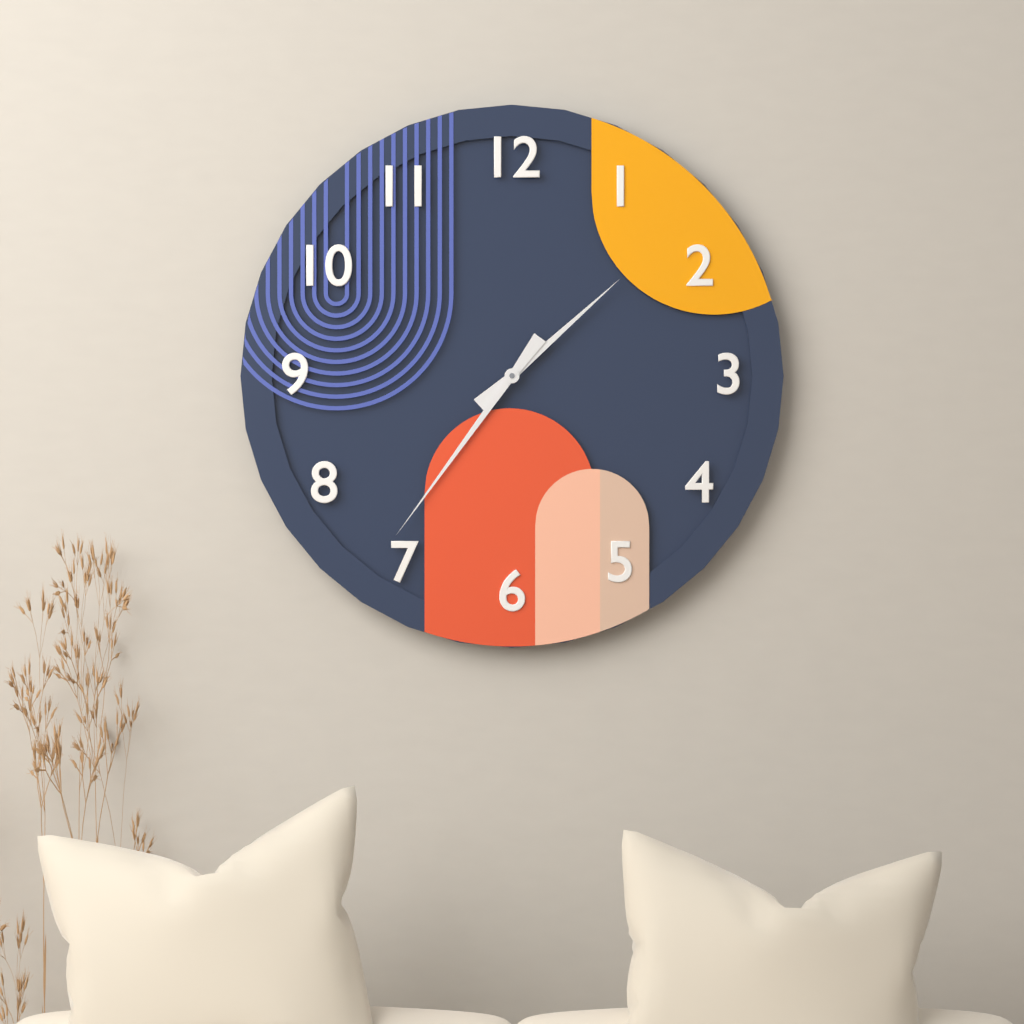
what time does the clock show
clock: 1:36
